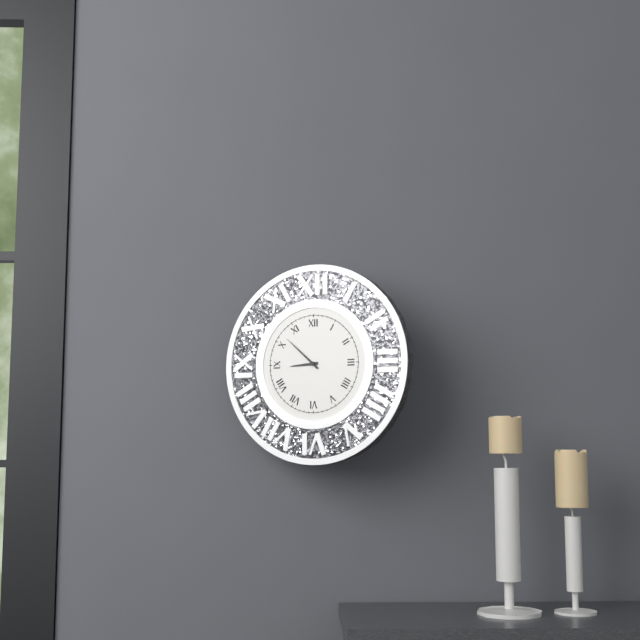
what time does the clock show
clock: 8:52
